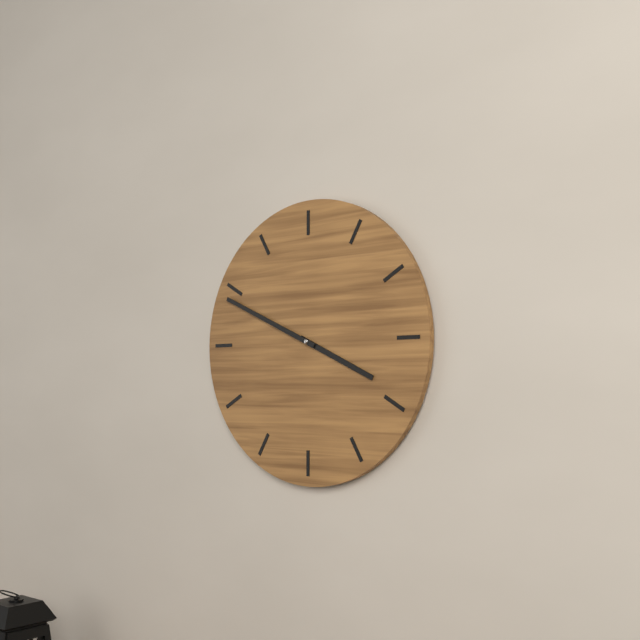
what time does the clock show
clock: 3:49
